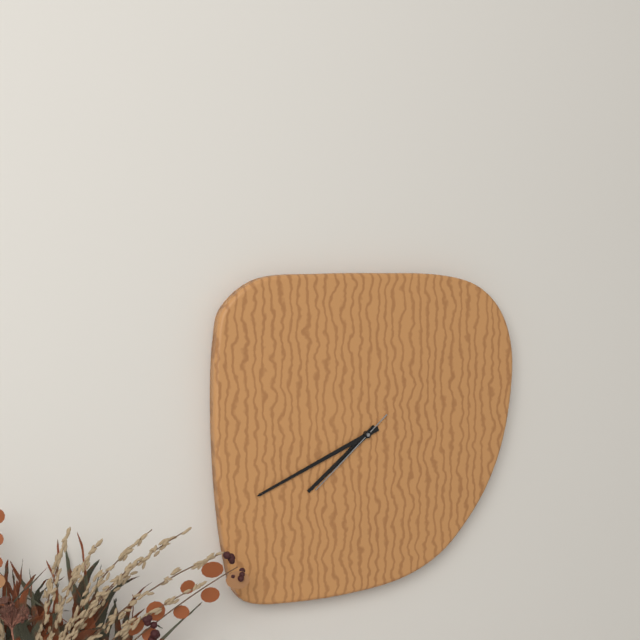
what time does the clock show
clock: 7:41:38
